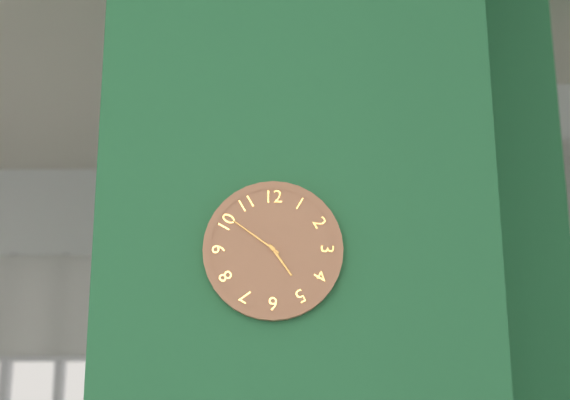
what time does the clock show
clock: 4:51
